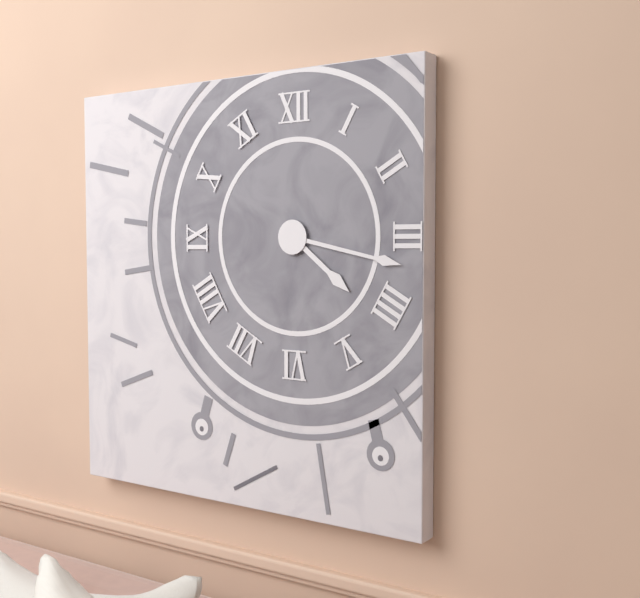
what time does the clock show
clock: 4:17
